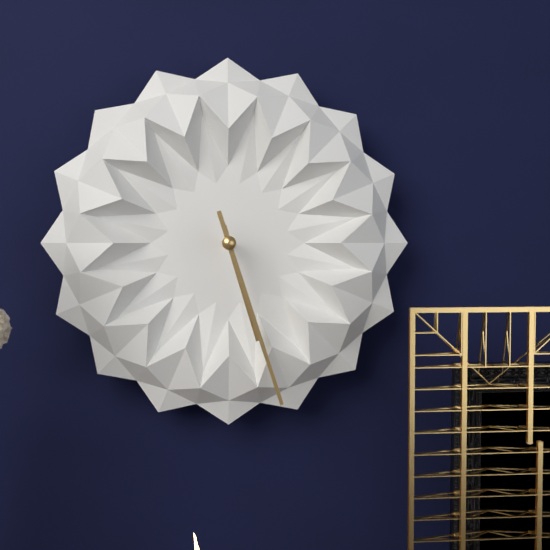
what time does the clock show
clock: 5:27
